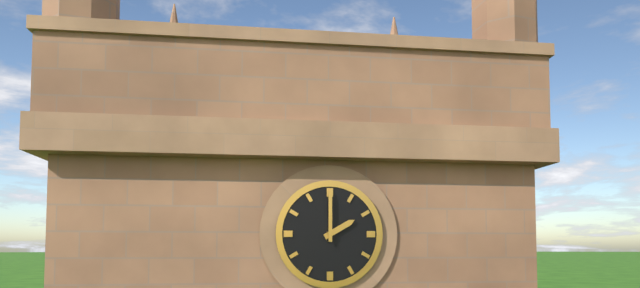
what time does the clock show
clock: 2:00
